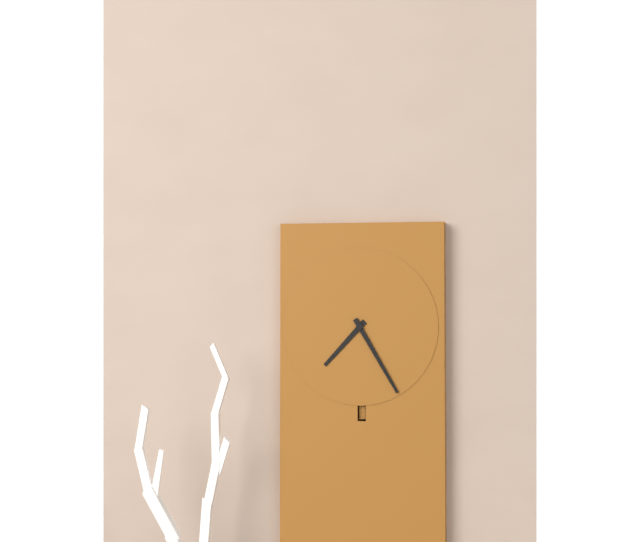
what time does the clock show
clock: 7:25
